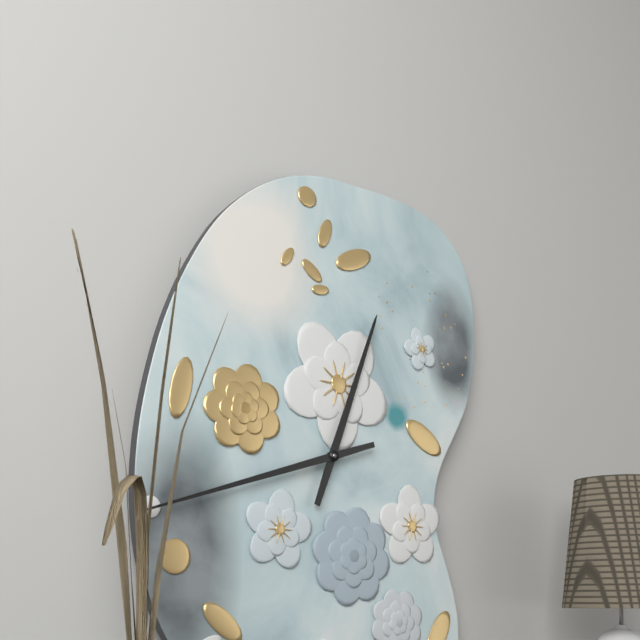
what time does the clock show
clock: 12:42
